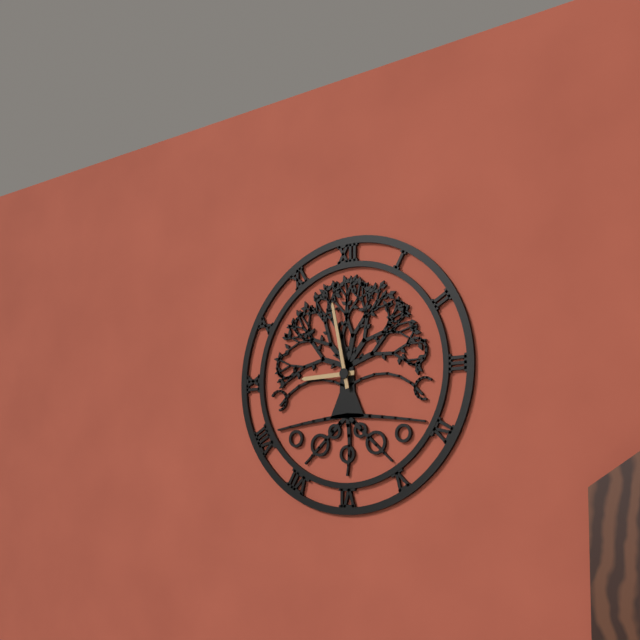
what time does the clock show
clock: 8:58
